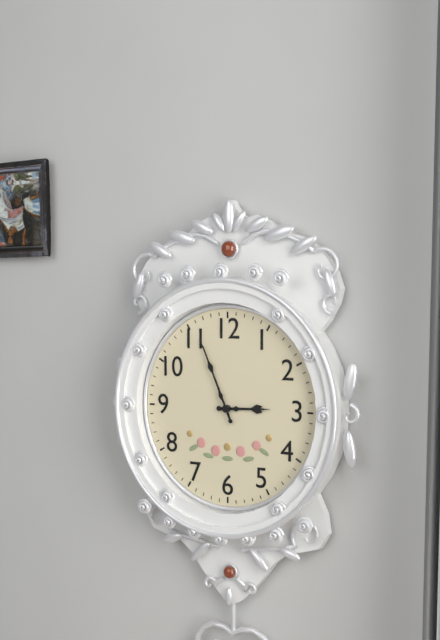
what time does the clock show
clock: 2:56
